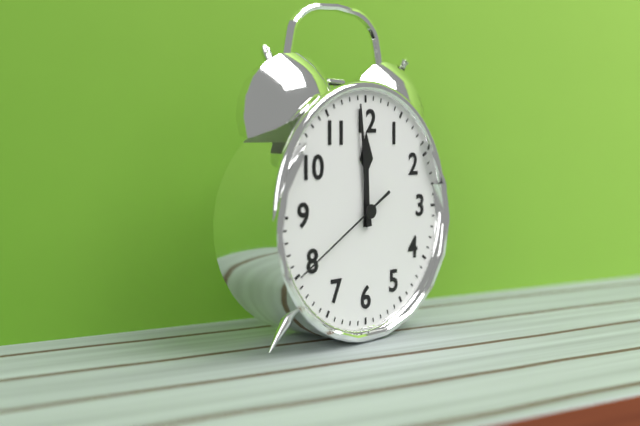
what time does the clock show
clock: 11:59:40
